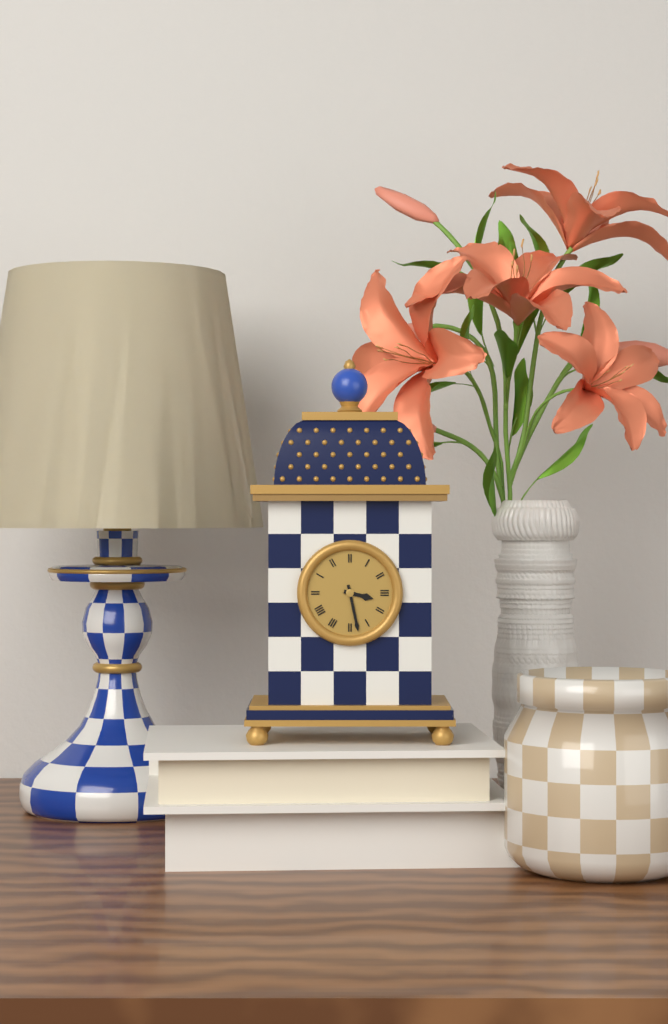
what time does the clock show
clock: 3:28
